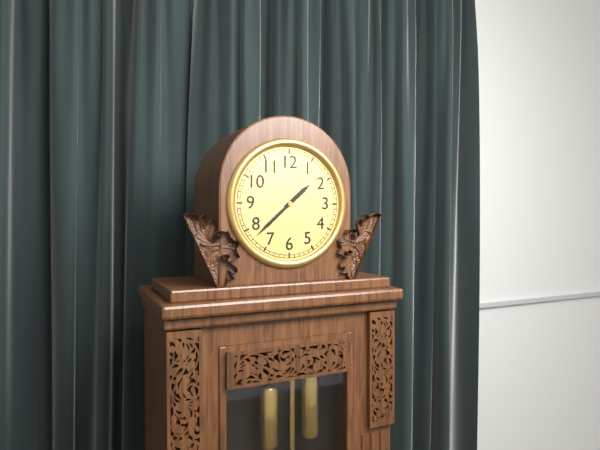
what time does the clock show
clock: 1:38
